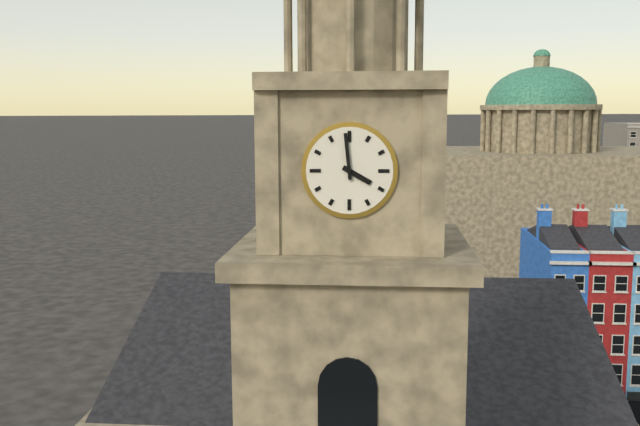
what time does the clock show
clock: 3:59
